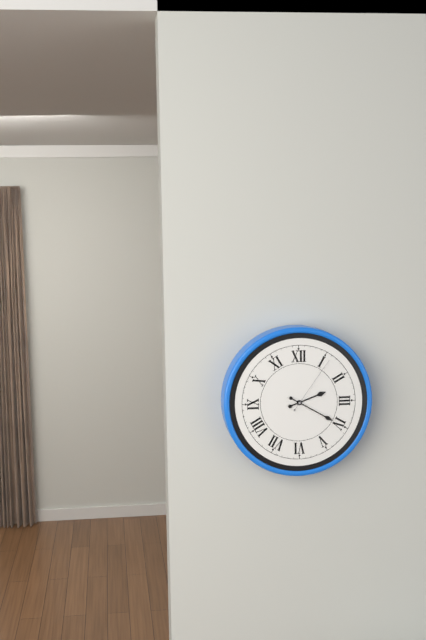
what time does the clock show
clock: 2:20:06
